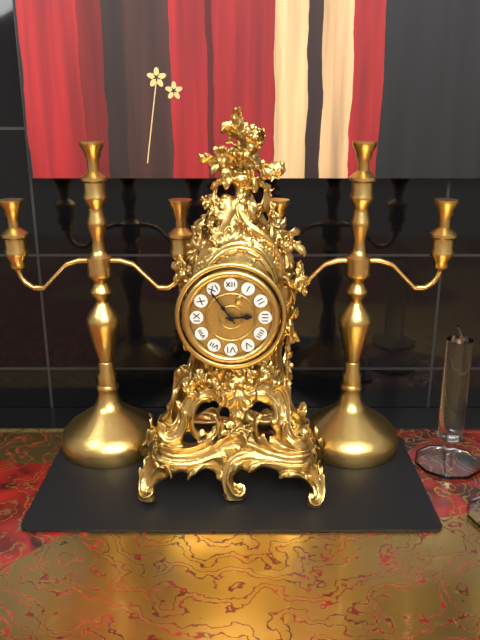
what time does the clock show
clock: 2:54
